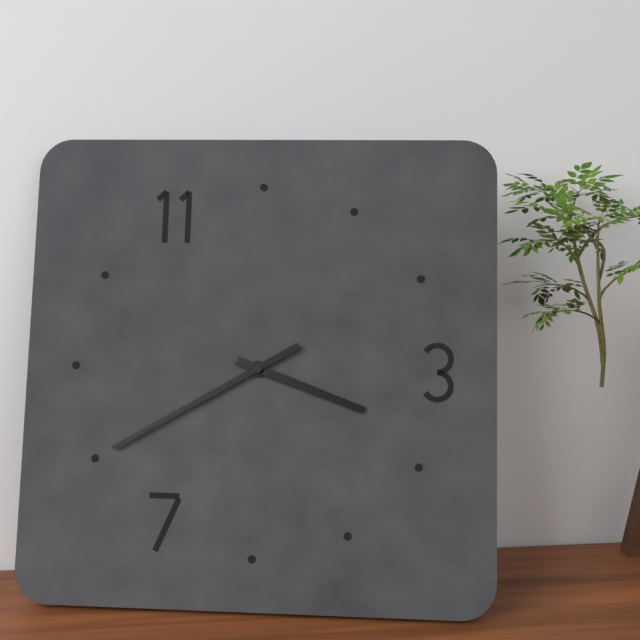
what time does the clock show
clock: 3:40
